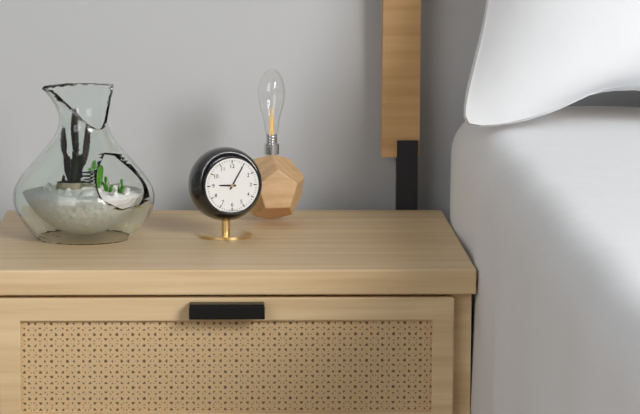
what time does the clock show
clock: 9:05
